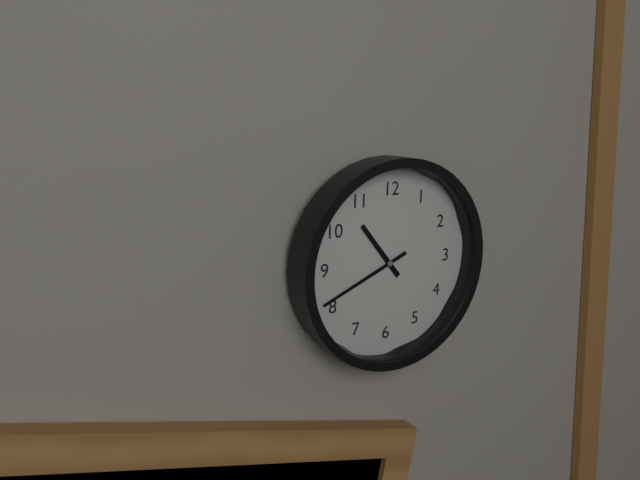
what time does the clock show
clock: 10:41
